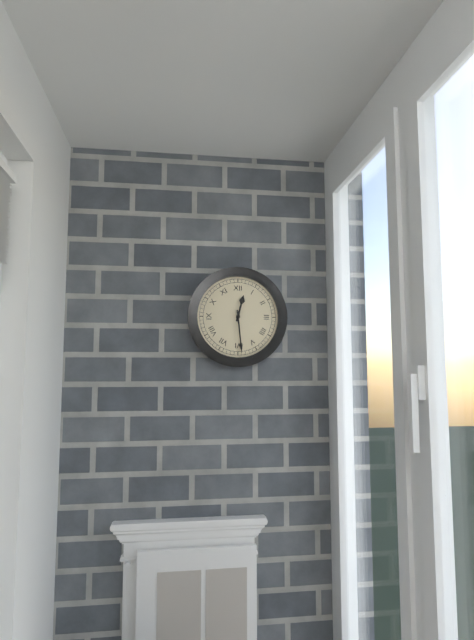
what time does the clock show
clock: 12:29
